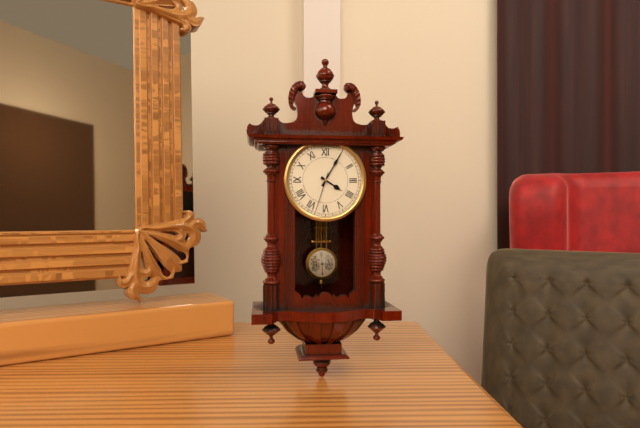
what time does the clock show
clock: 4:05
